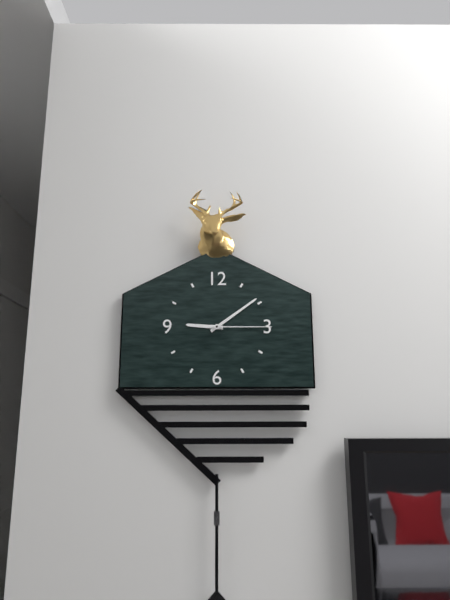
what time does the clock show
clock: 9:09:15
